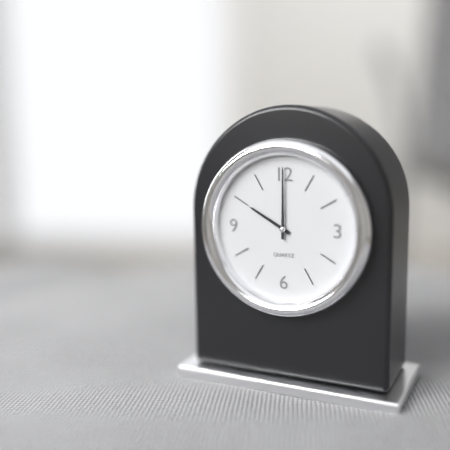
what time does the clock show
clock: 10:00
